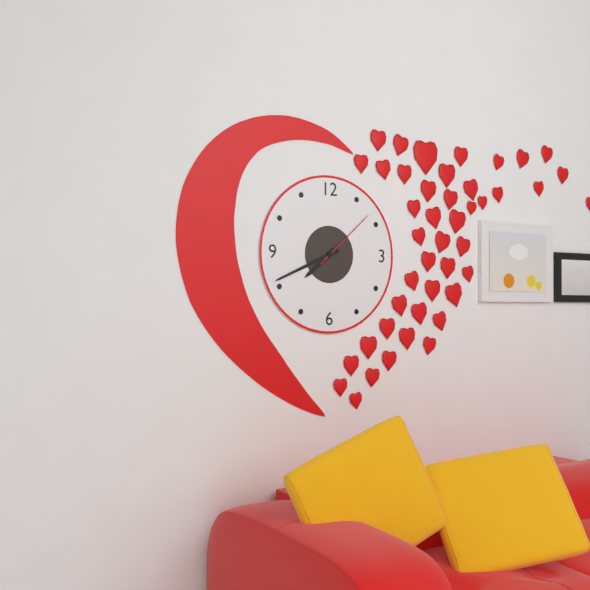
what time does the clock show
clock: 7:41:08
